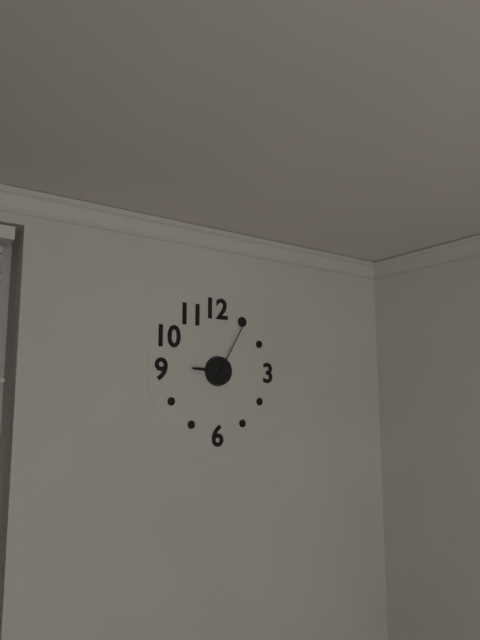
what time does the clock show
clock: 9:05
